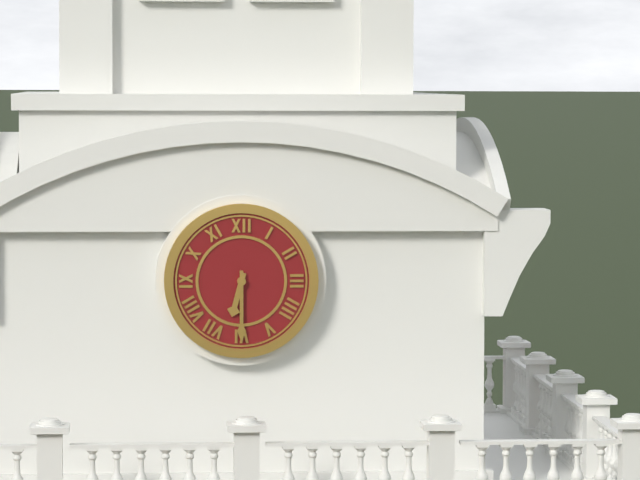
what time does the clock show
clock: 6:30
